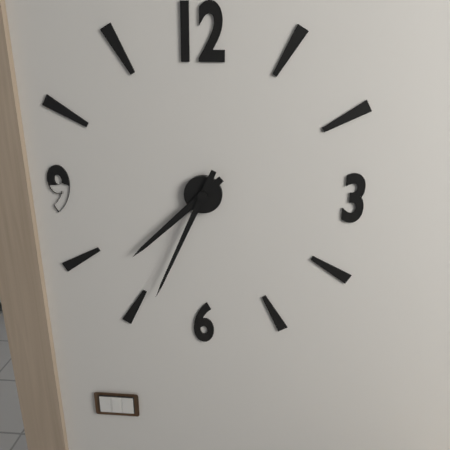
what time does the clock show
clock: 7:34
